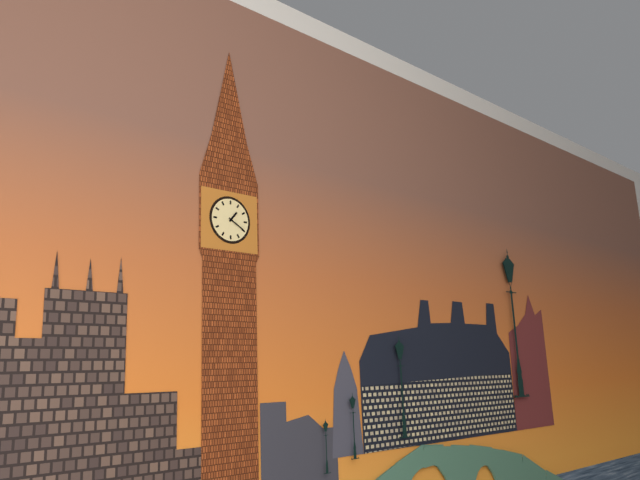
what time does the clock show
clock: 1:20
